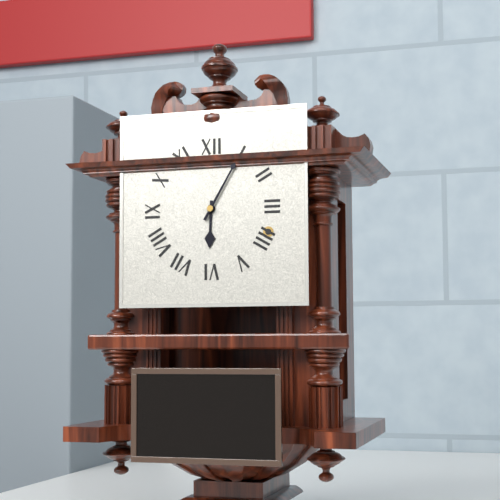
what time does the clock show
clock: 6:05
